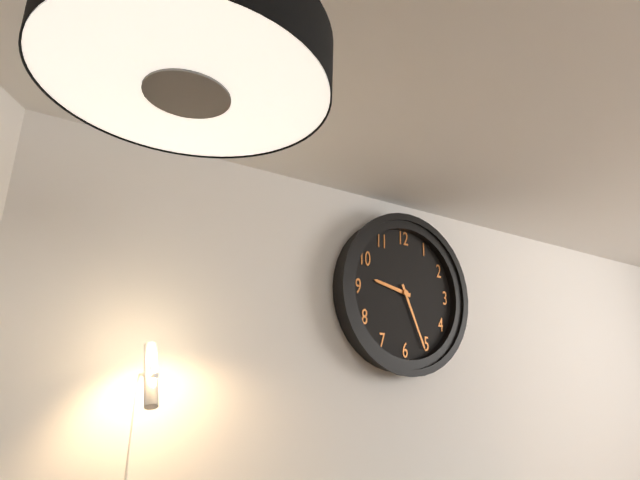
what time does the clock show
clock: 9:26
